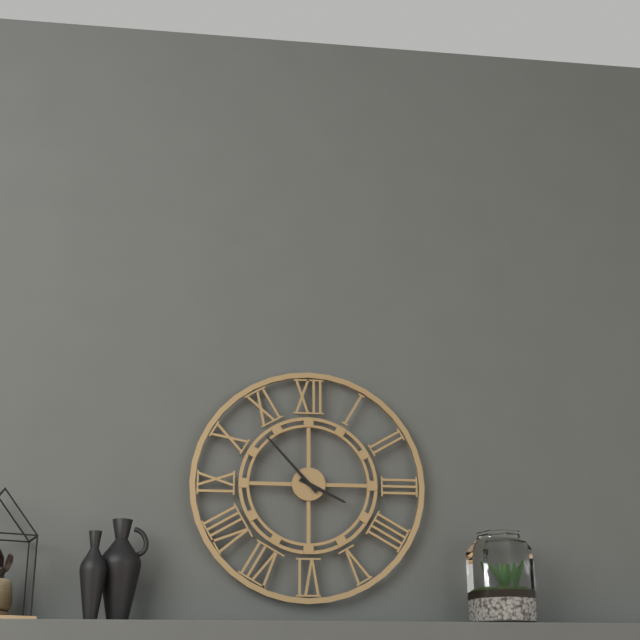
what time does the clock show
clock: 3:53
